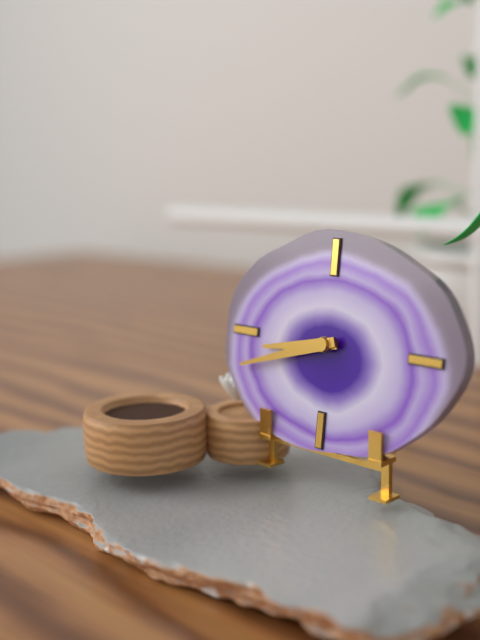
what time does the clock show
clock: 8:42
